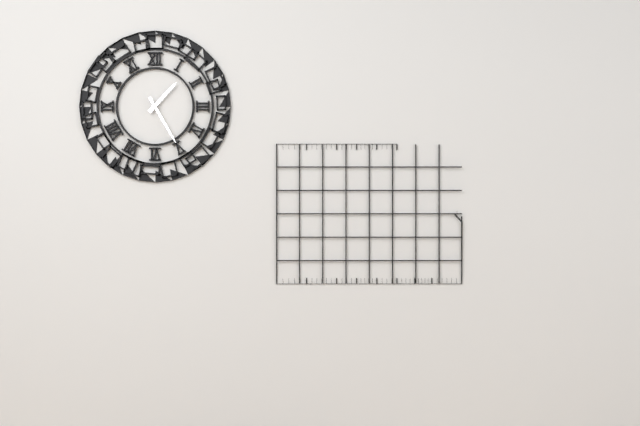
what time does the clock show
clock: 1:25
